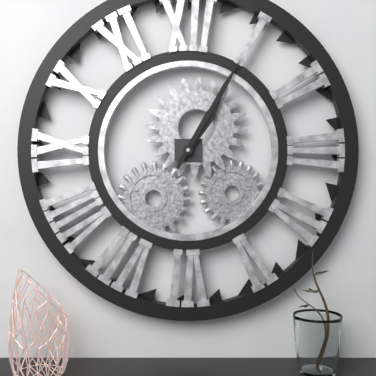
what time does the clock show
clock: 1:05
